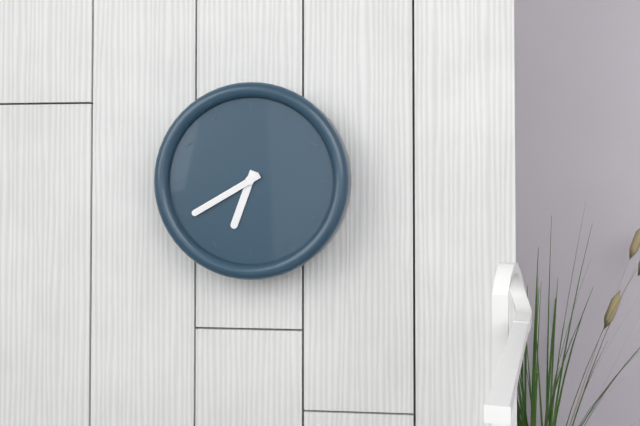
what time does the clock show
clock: 6:40
